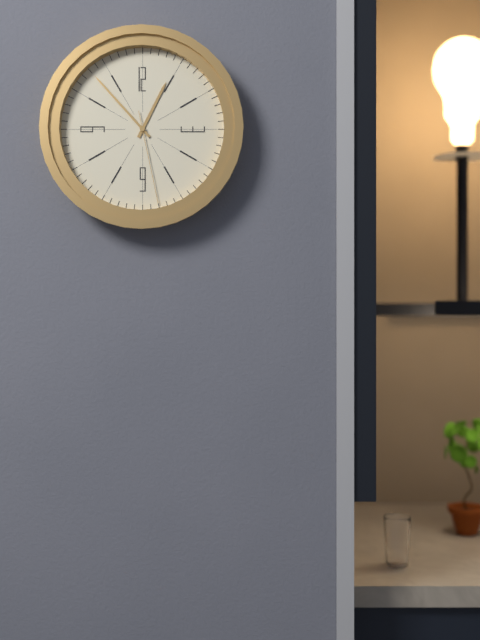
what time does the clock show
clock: 12:53:28
